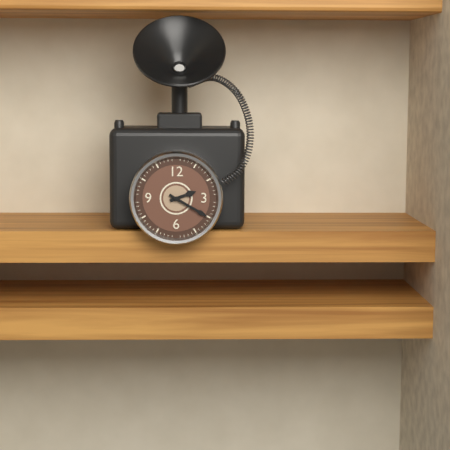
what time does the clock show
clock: 2:20
